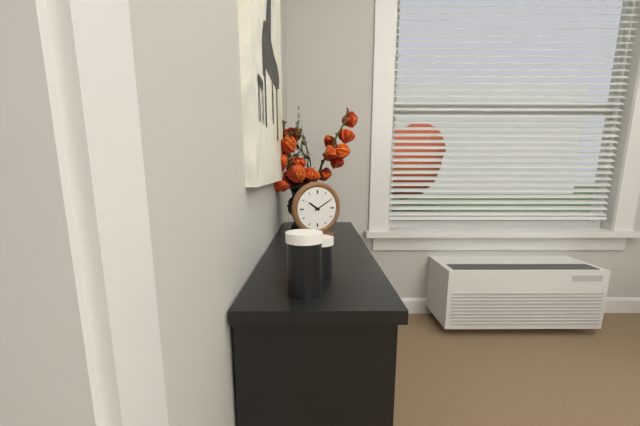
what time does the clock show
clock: 10:10
